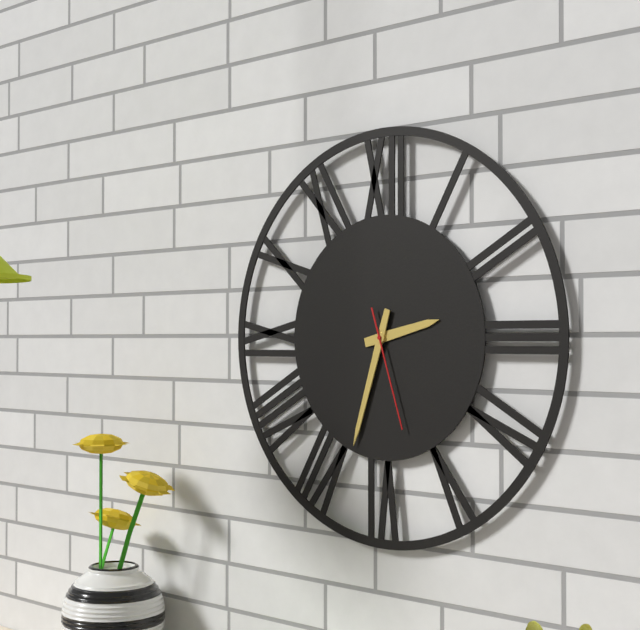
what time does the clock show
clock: 2:33:27
